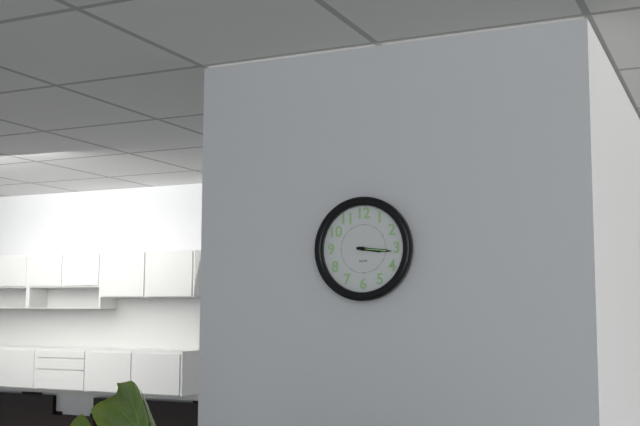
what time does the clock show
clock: 3:16
